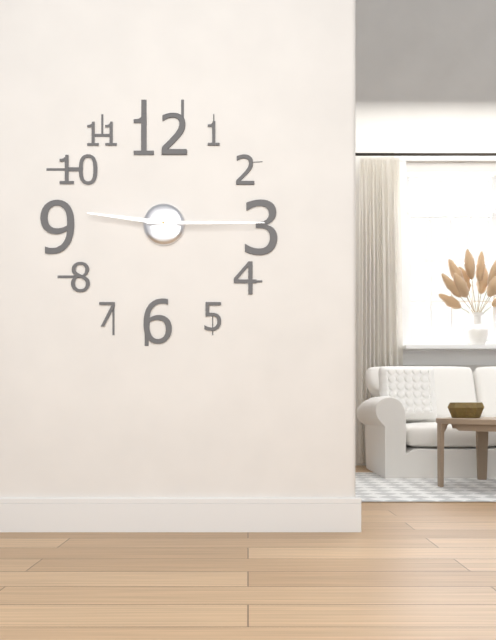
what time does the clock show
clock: 9:15
